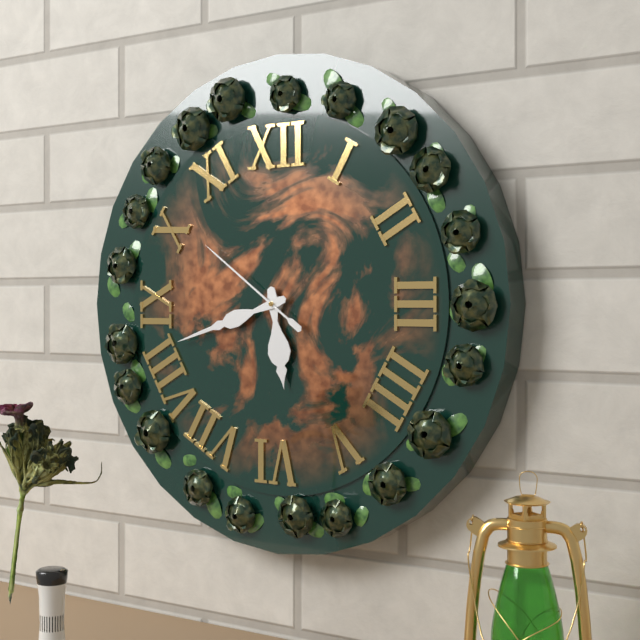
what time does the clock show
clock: 5:42:51
